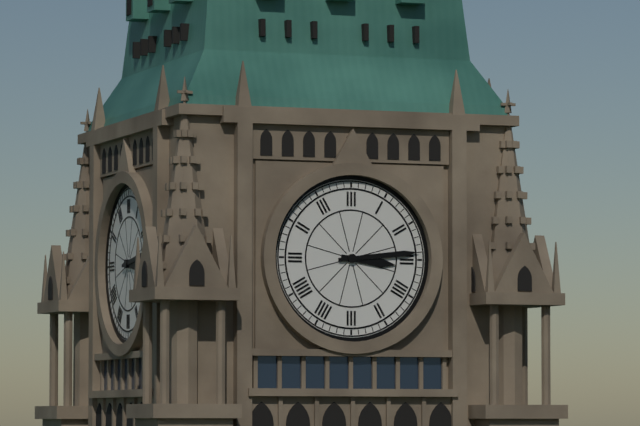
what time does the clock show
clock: 3:14
